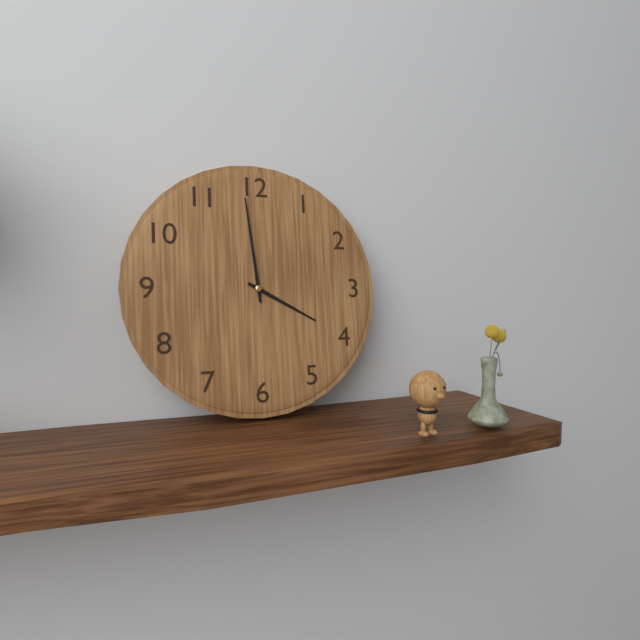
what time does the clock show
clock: 3:59
